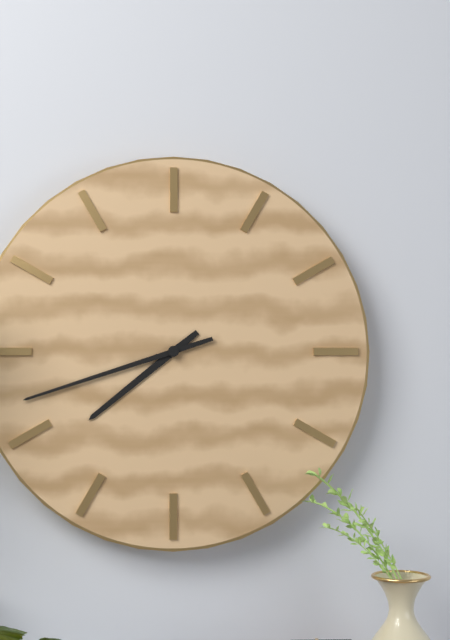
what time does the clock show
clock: 7:42
